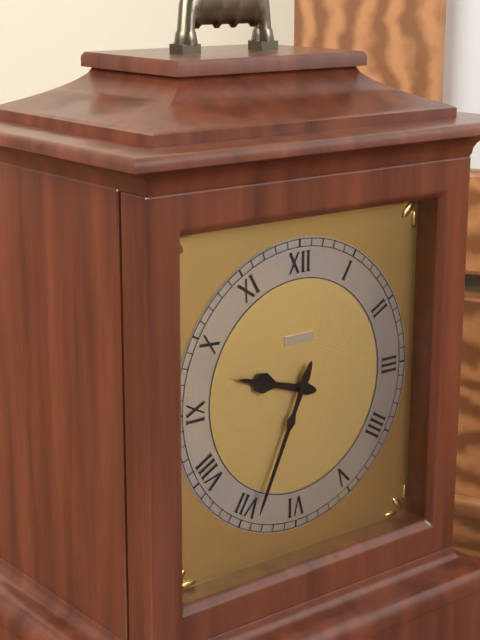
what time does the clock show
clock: 9:34
